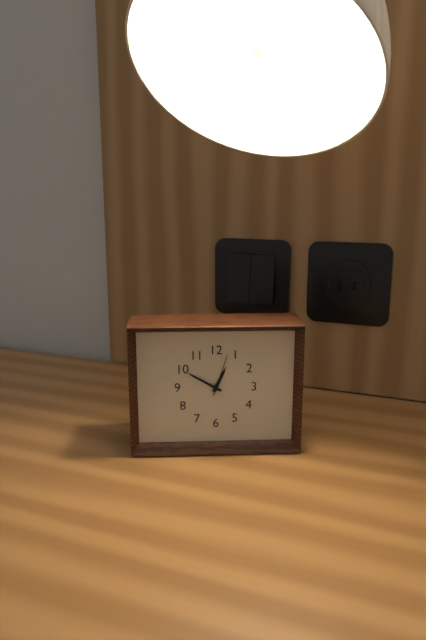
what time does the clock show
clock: 12:50
